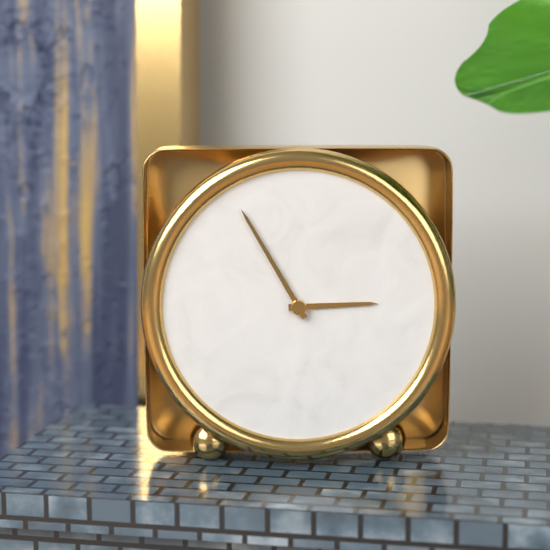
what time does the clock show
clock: 2:55
